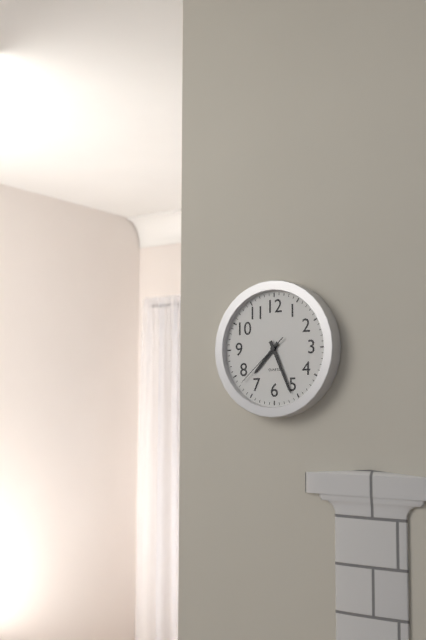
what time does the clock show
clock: 7:26:38
